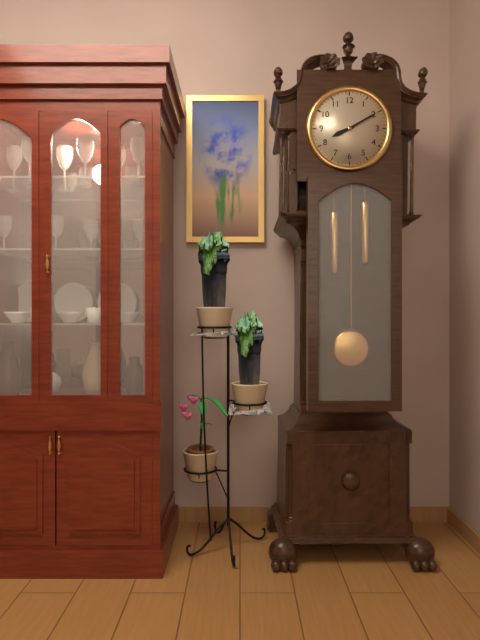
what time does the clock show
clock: 8:10
